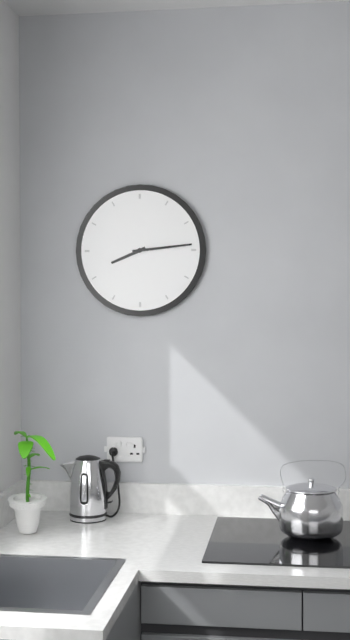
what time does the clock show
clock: 8:14
